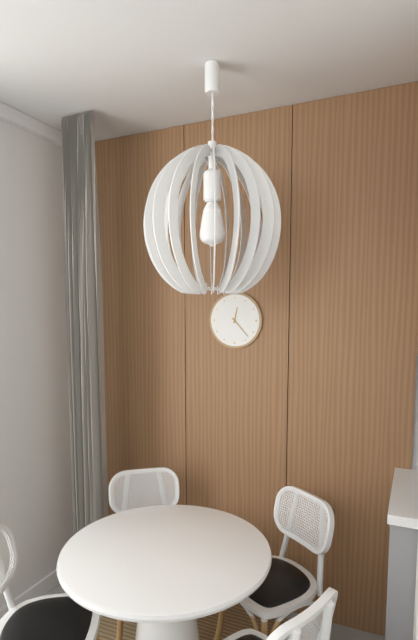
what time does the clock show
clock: 12:23
